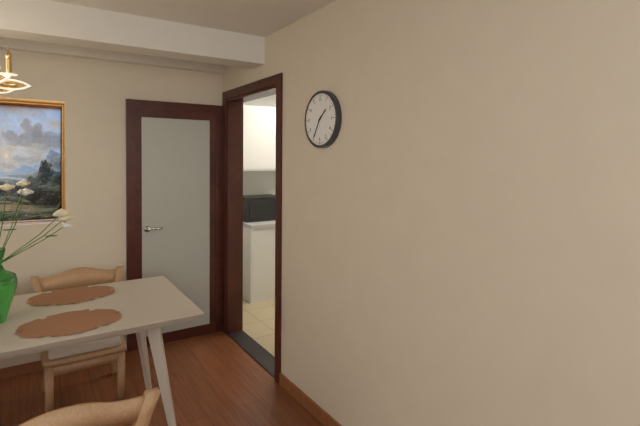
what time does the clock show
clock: 1:35
